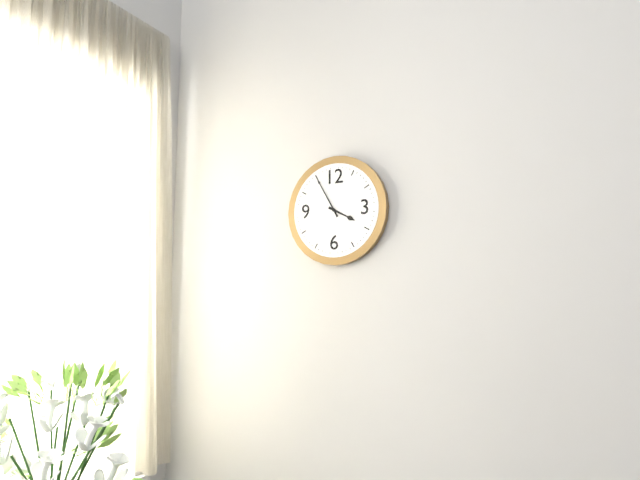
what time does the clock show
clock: 3:55
